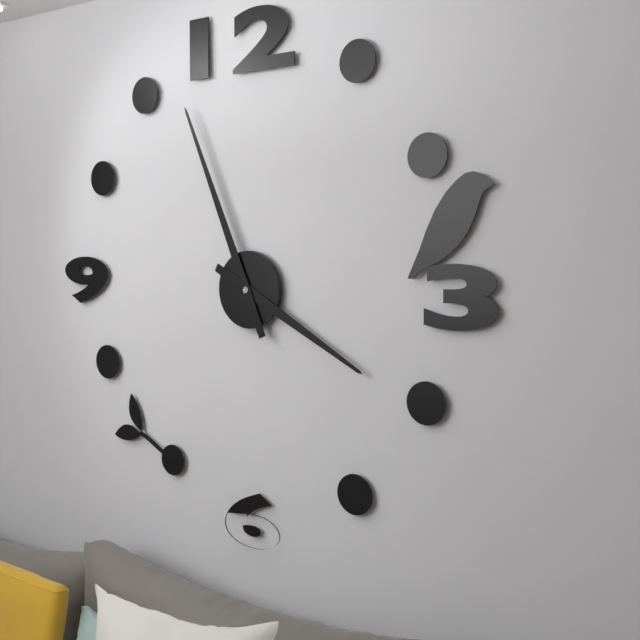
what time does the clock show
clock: 3:56
